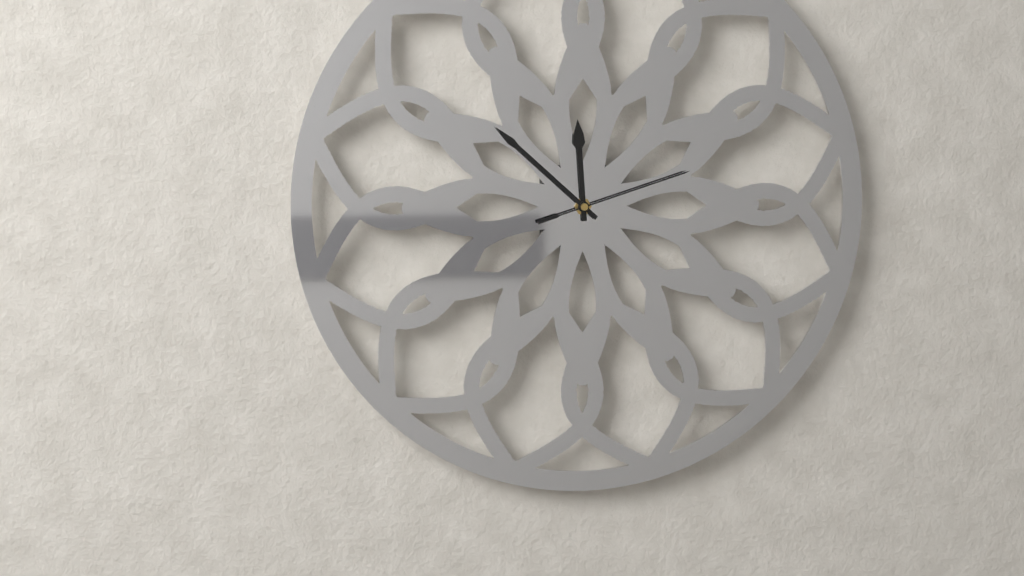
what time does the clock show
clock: 11:52:12
